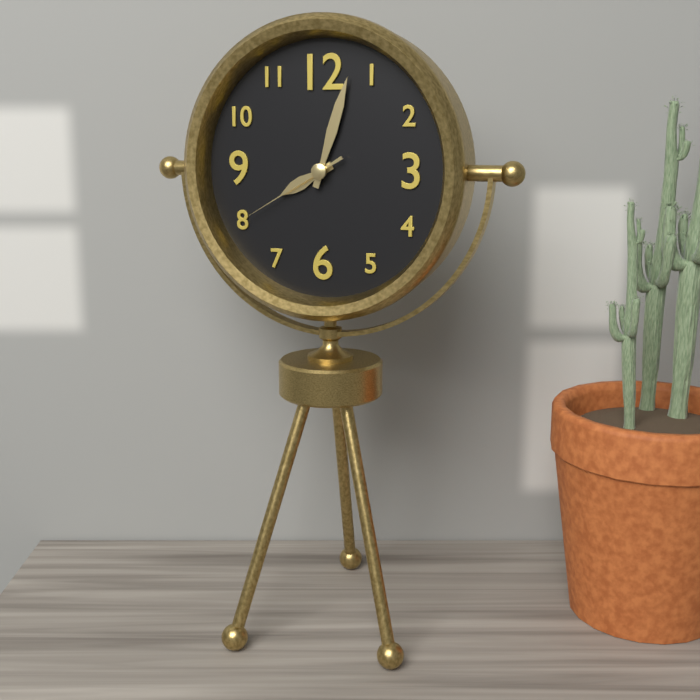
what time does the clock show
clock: 8:03:40
